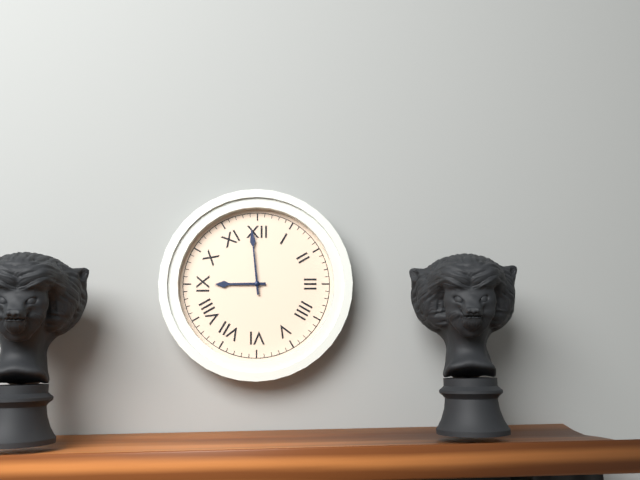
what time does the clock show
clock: 8:59
